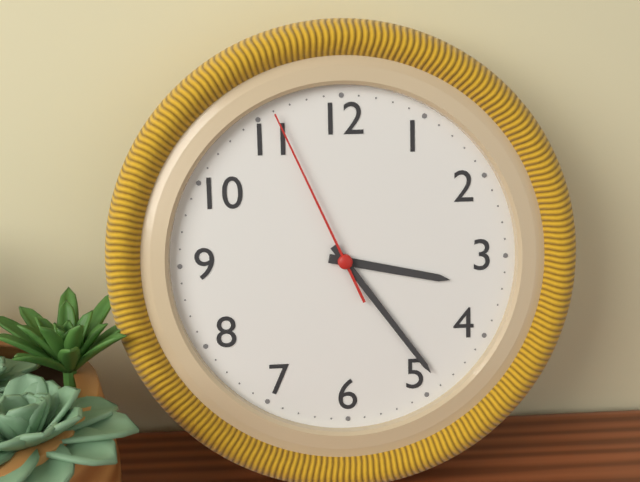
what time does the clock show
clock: 3:24:56
